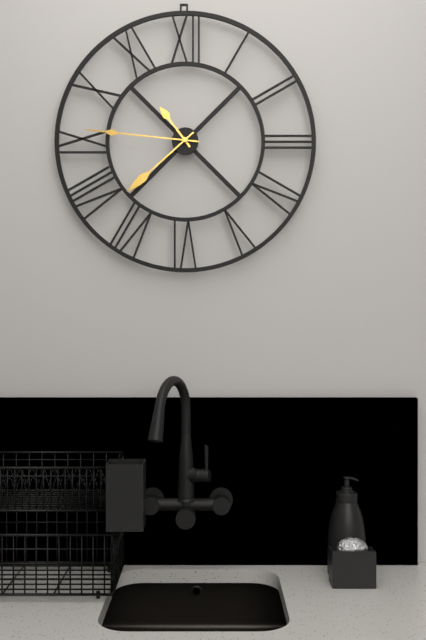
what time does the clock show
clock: 10:46:38
